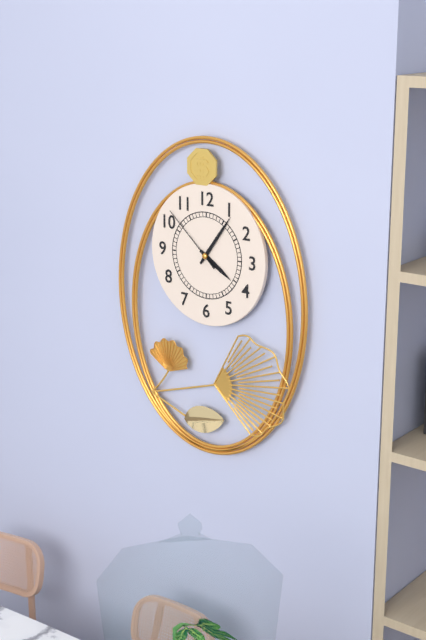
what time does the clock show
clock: 4:06:52
